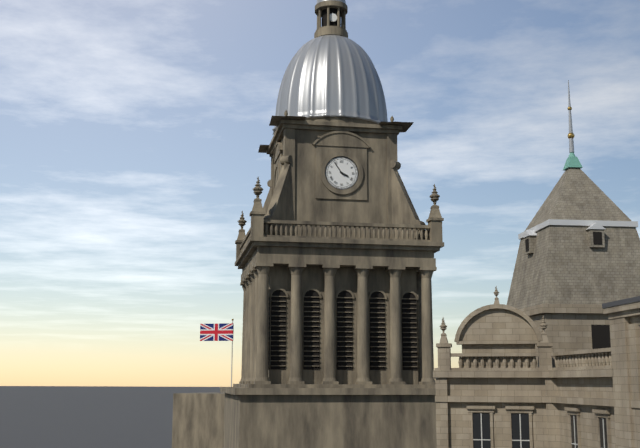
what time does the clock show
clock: 3:54
